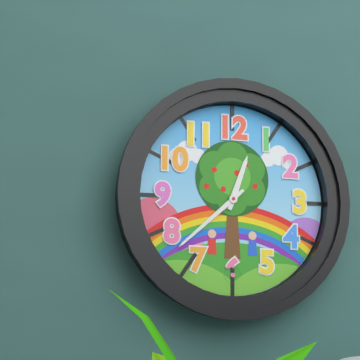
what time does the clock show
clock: 12:38
